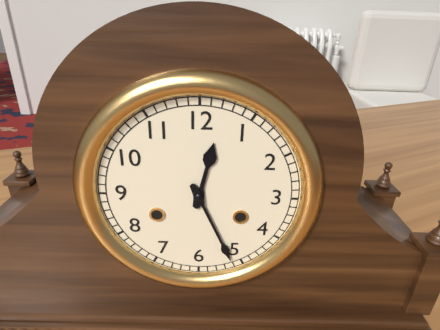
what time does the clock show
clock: 12:26
